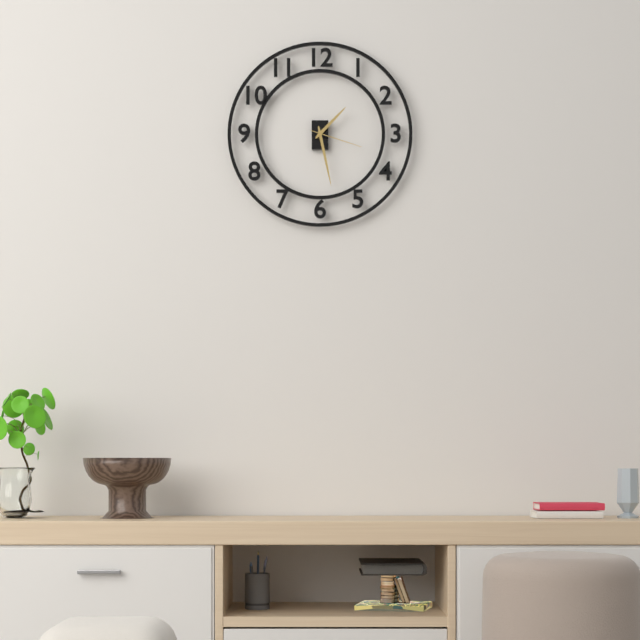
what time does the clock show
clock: 1:28:18
